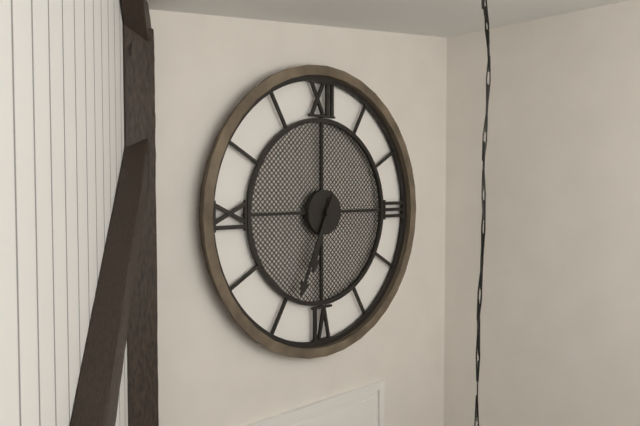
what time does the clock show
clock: 6:34
